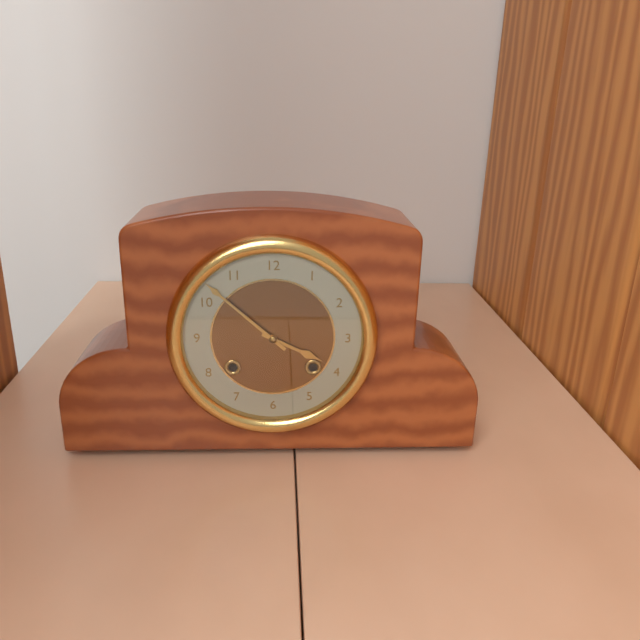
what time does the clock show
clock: 3:52
